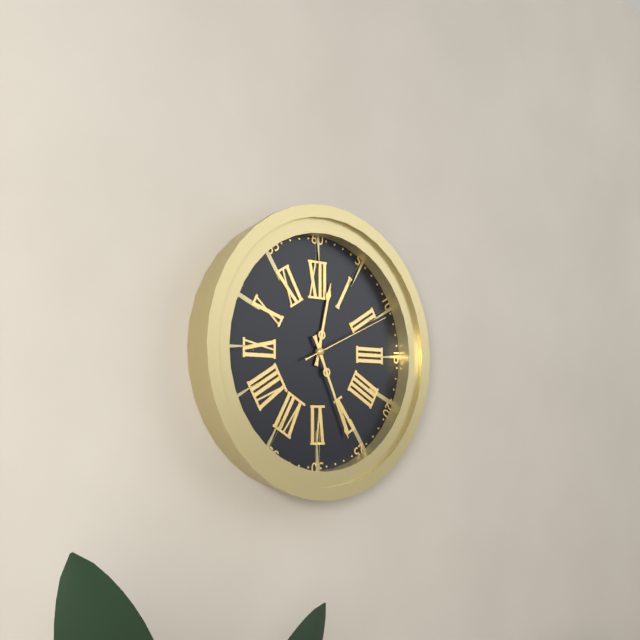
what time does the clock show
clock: 12:26:11
